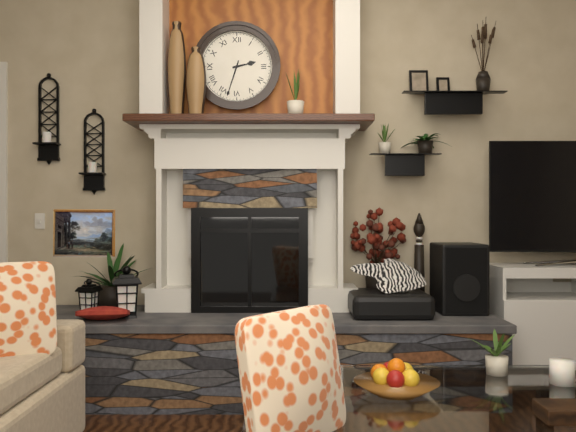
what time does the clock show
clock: 2:33
